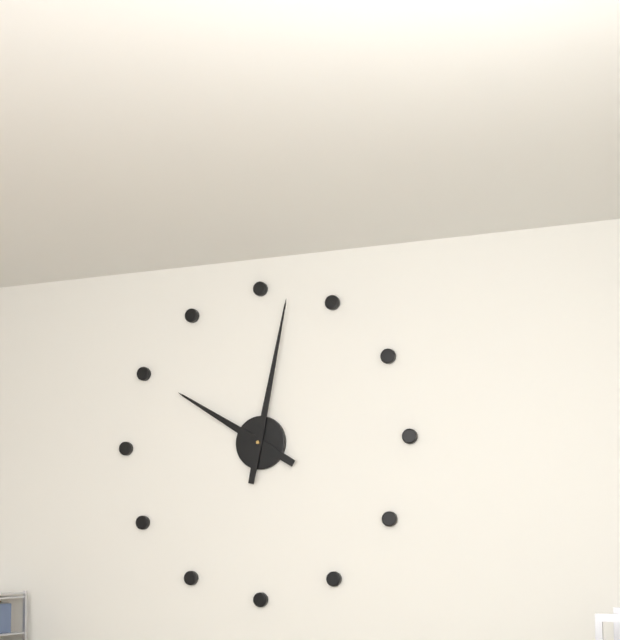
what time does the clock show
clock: 10:02
